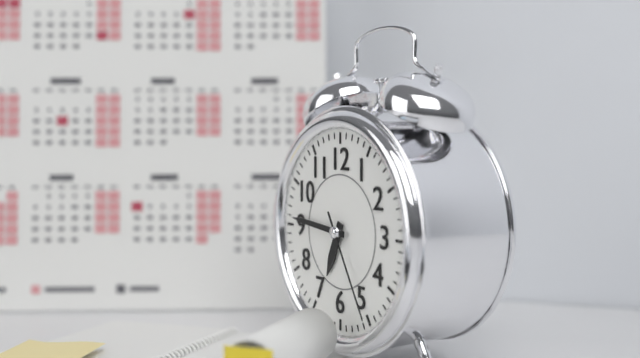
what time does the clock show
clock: 6:46:25
